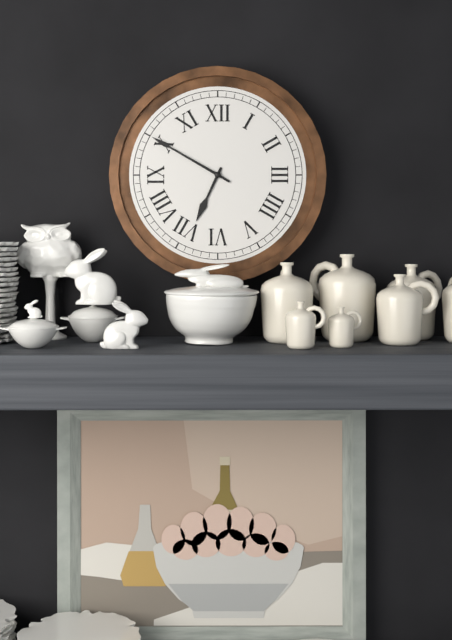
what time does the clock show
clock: 6:50
